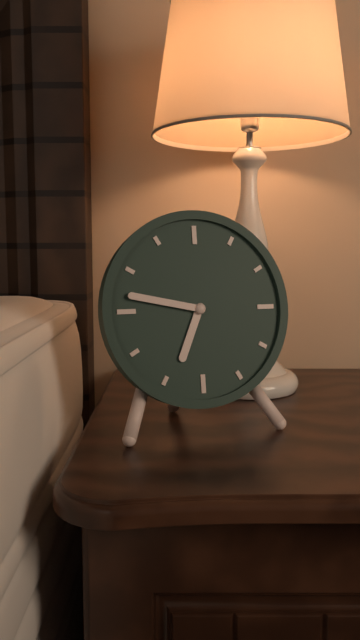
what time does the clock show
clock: 6:47
